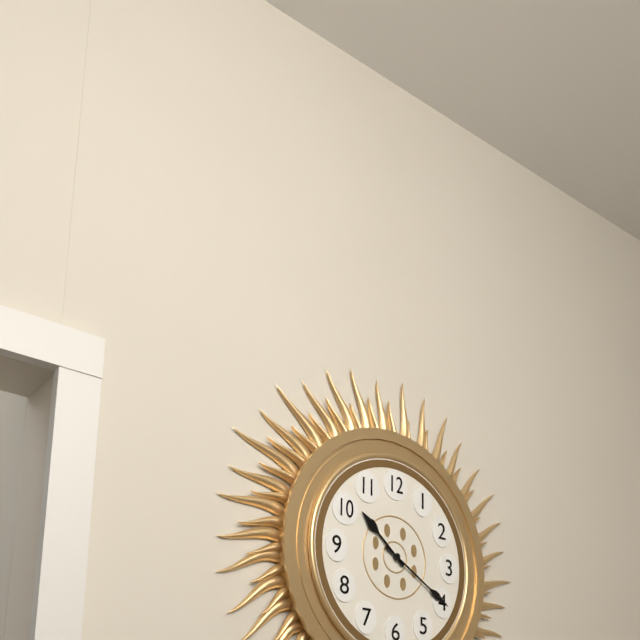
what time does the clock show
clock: 10:20
